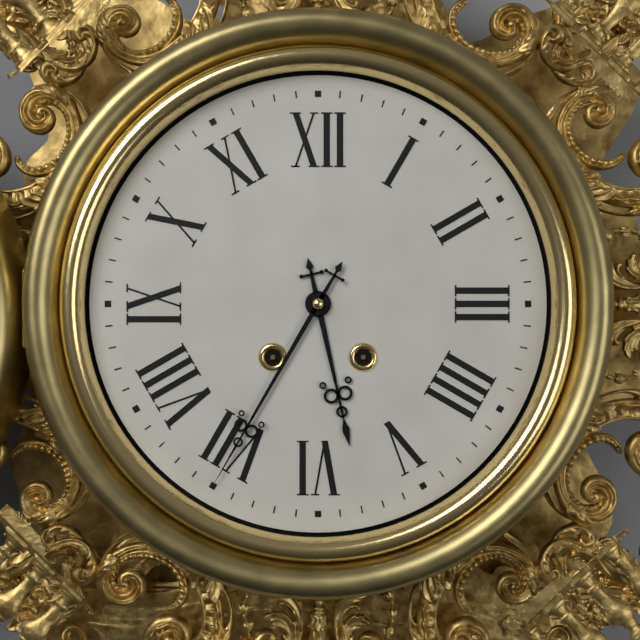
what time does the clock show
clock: 5:35
